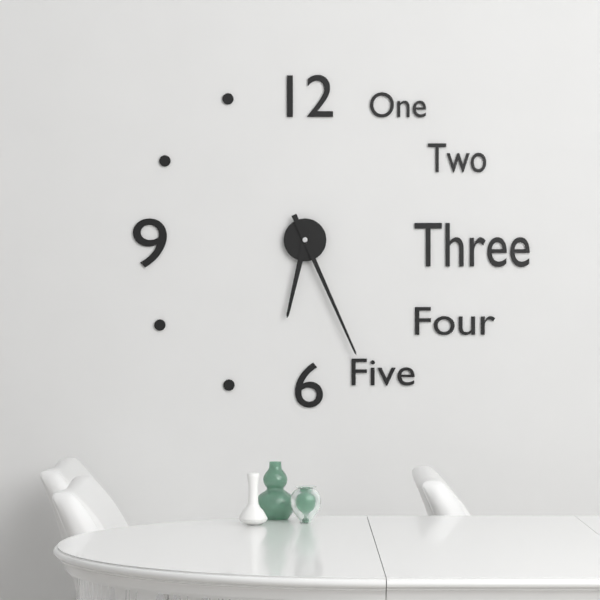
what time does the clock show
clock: 6:26
